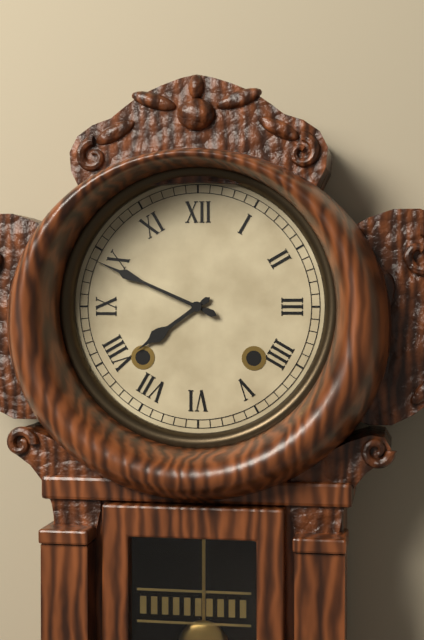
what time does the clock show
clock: 7:49
